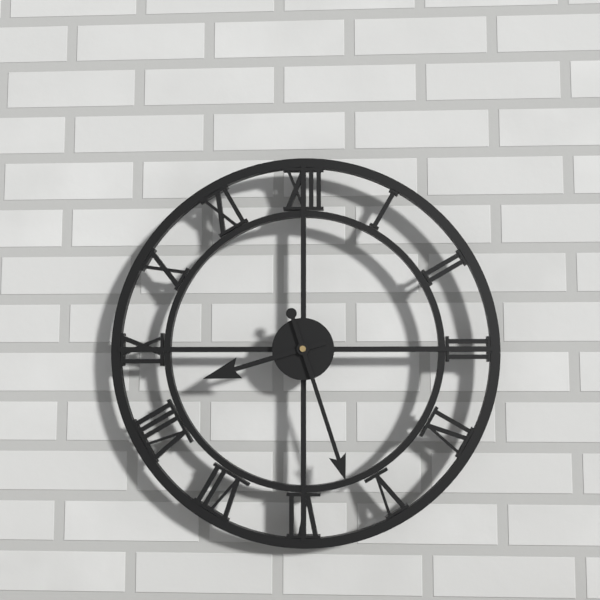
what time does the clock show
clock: 8:27
